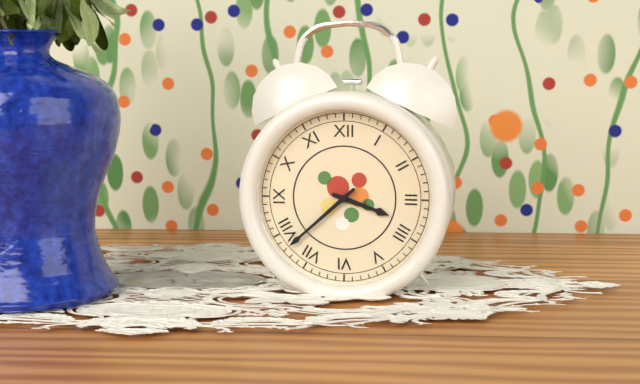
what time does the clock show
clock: 3:38
